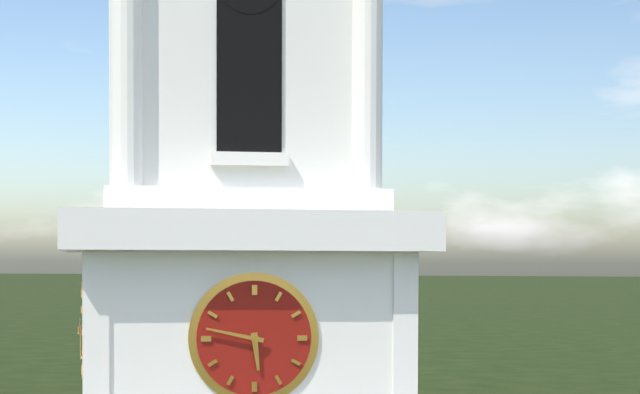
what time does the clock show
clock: 5:47
